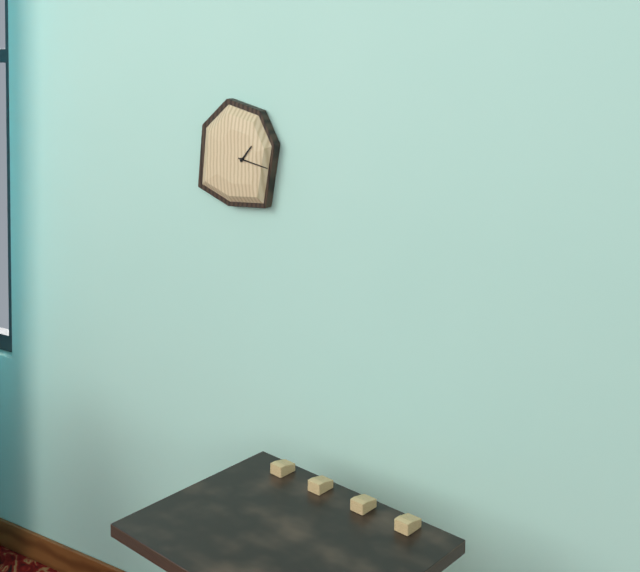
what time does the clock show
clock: 1:17
